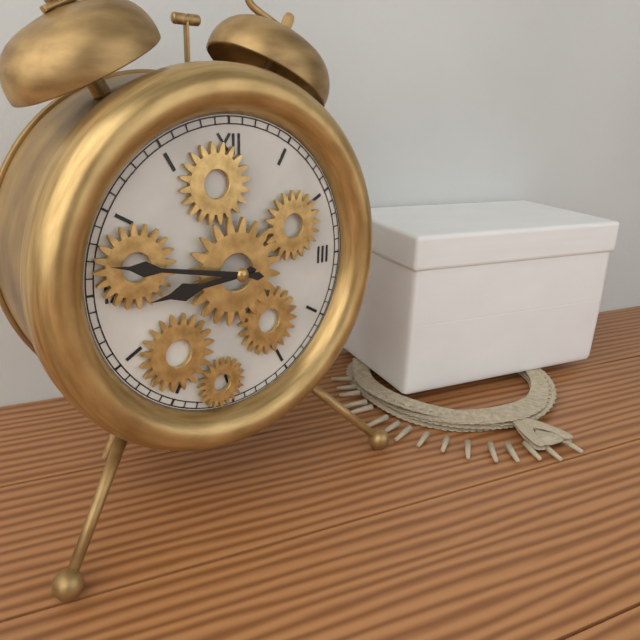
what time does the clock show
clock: 8:47
